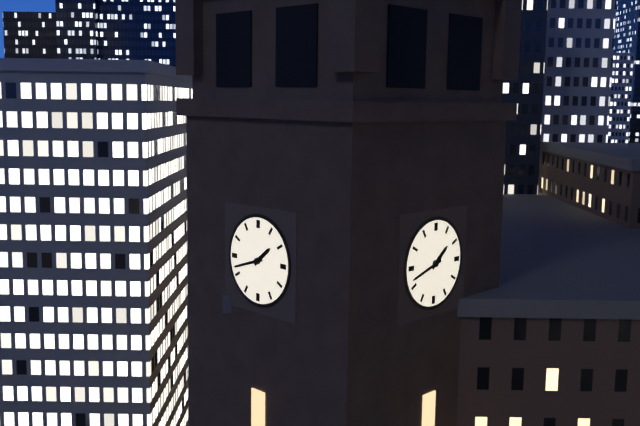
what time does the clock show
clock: 1:42
